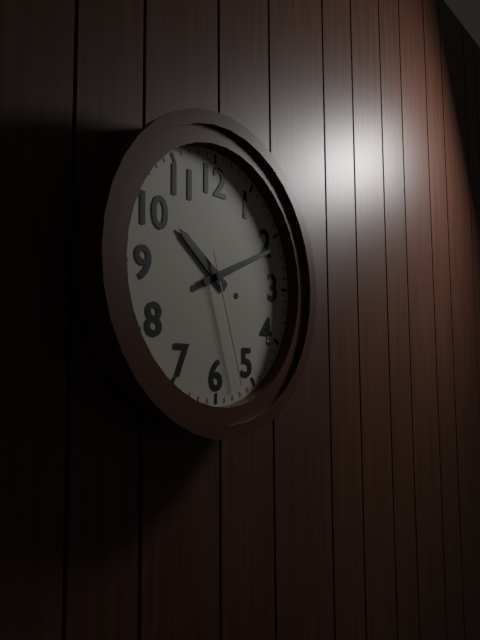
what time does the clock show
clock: 10:11:27
